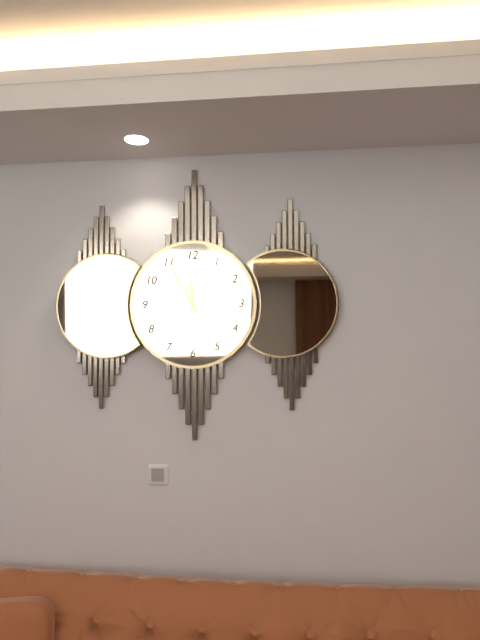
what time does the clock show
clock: 11:55
